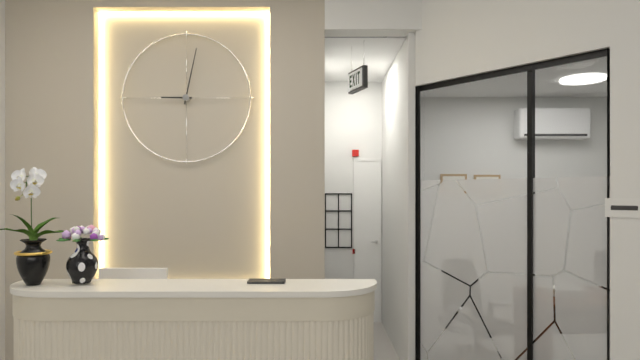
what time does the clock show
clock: 9:02
